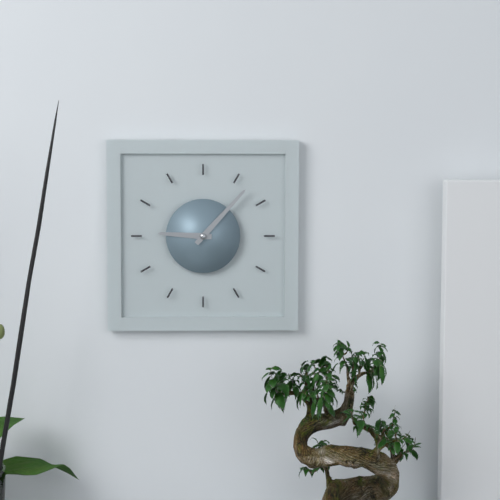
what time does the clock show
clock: 9:07
